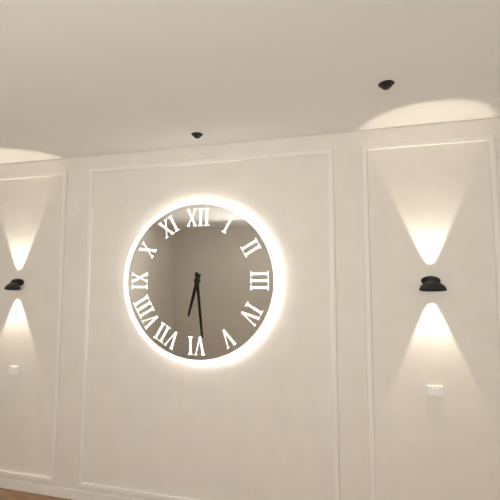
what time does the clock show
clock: 6:29
